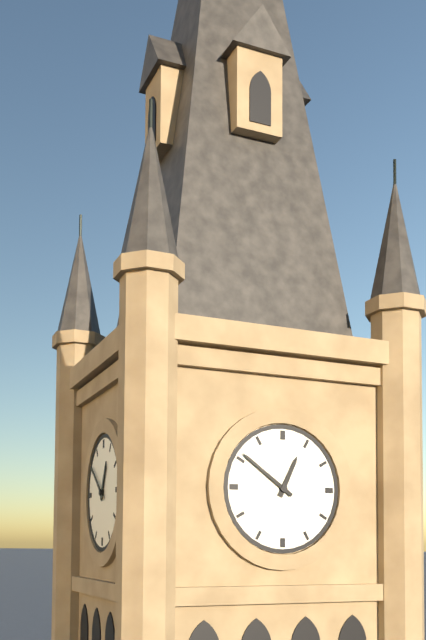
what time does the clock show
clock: 12:51
